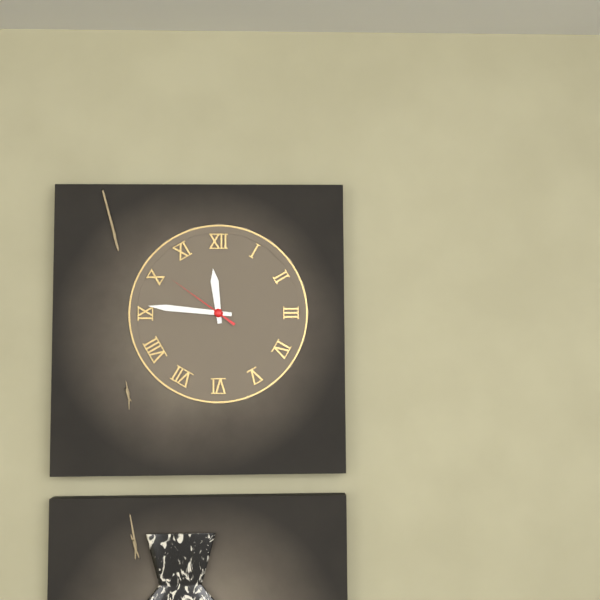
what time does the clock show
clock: 11:46:51
